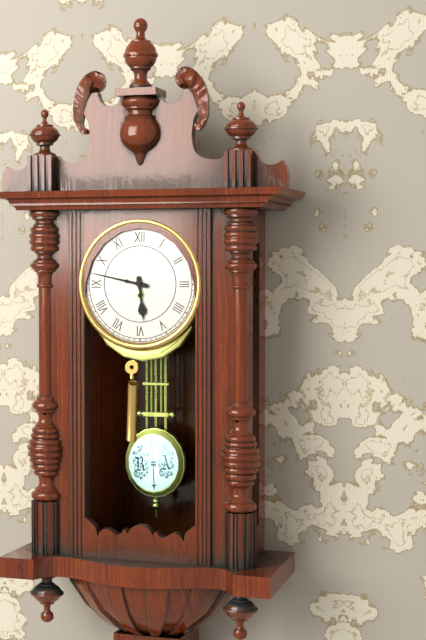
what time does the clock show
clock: 5:47
